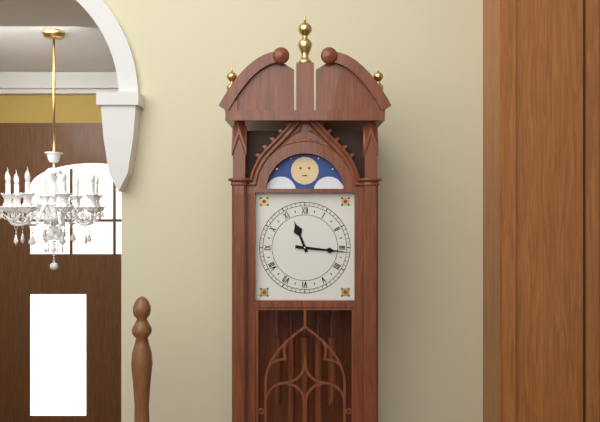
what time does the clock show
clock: 11:16
